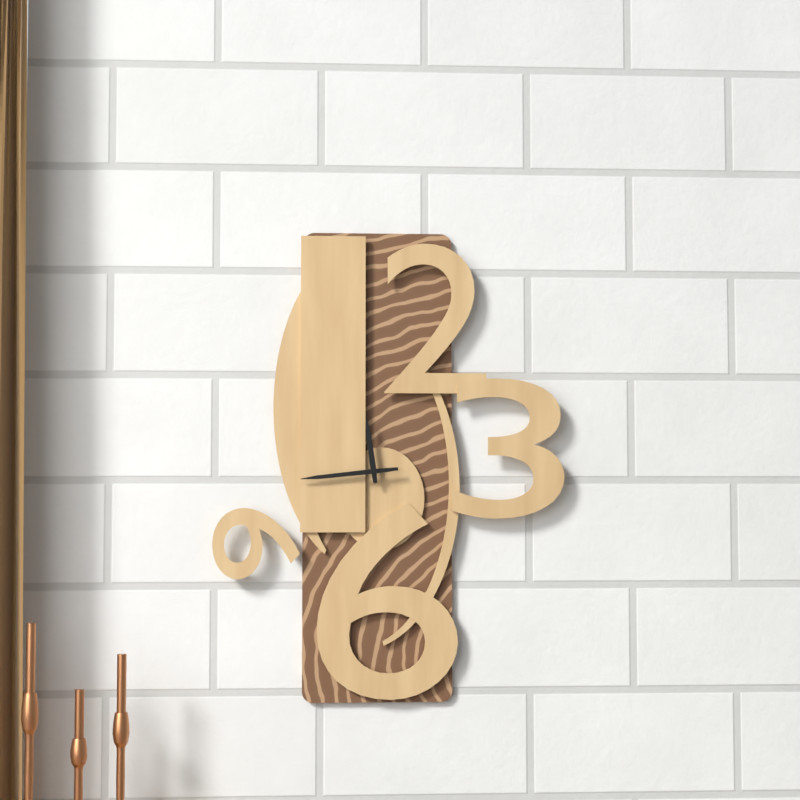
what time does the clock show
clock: 11:44
